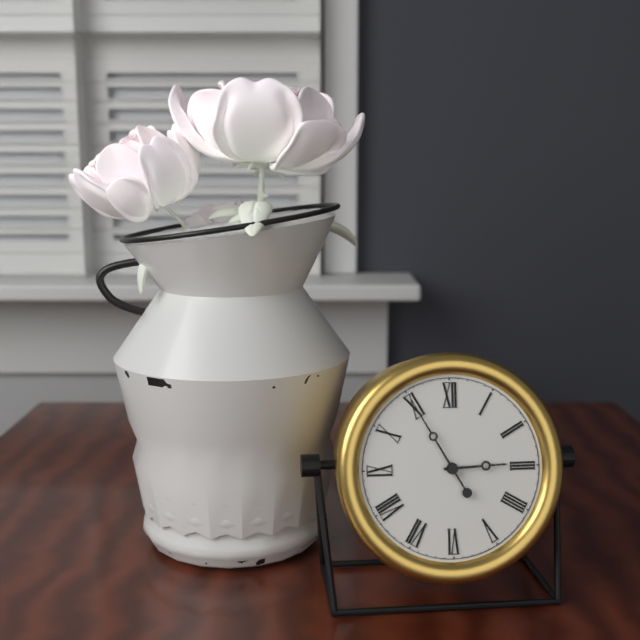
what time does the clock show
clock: 2:55
